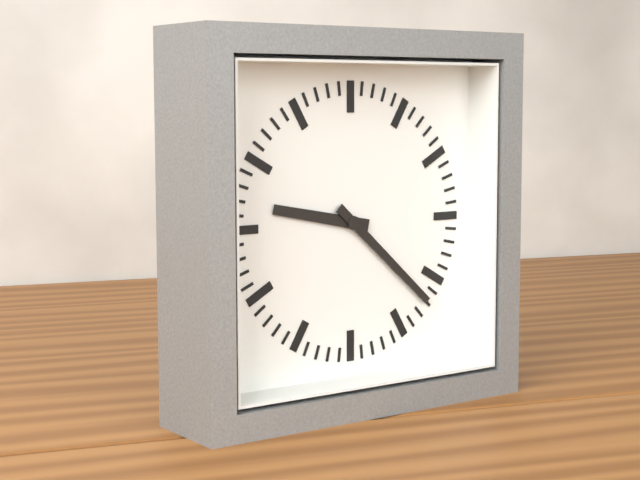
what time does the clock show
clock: 9:22
